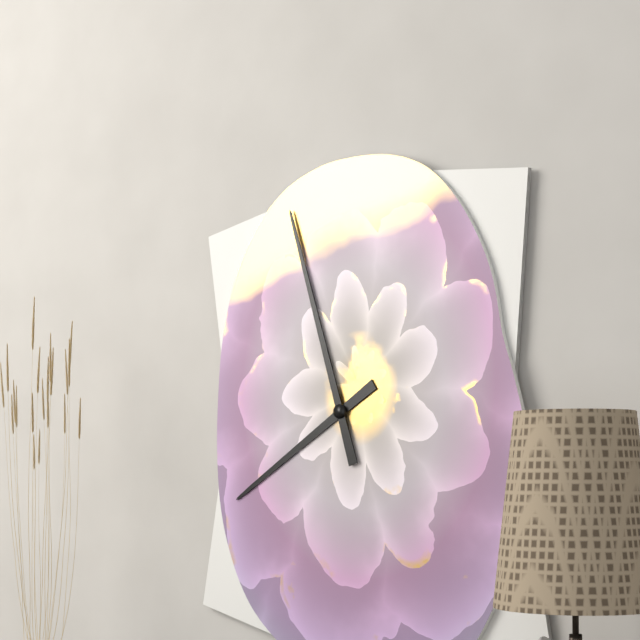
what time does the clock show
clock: 7:57
